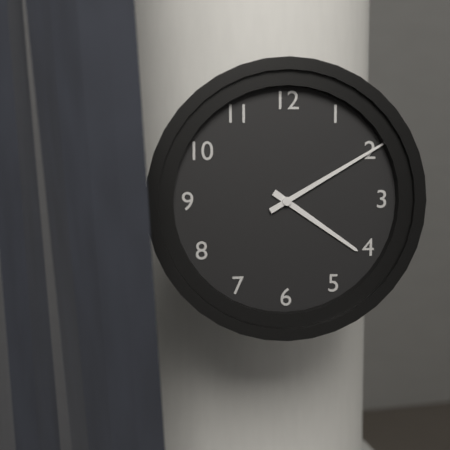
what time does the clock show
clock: 4:10
